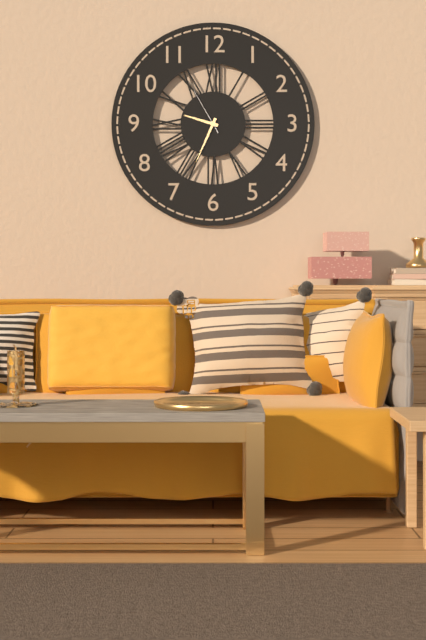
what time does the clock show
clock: 9:34
